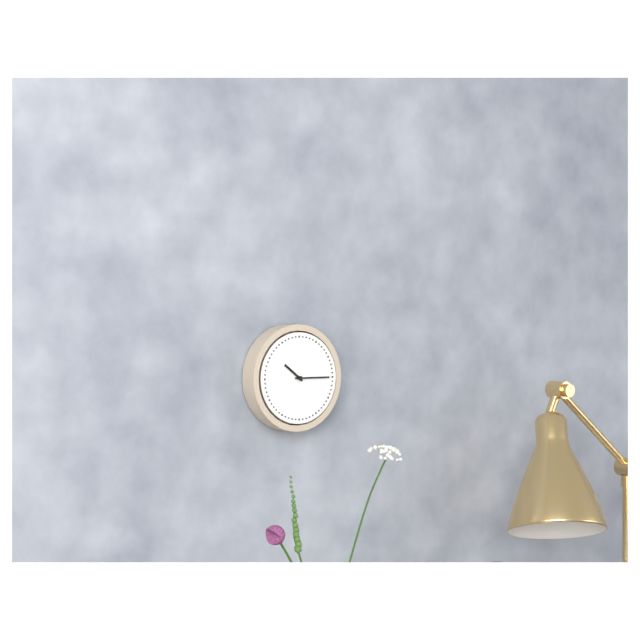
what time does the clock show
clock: 10:15
